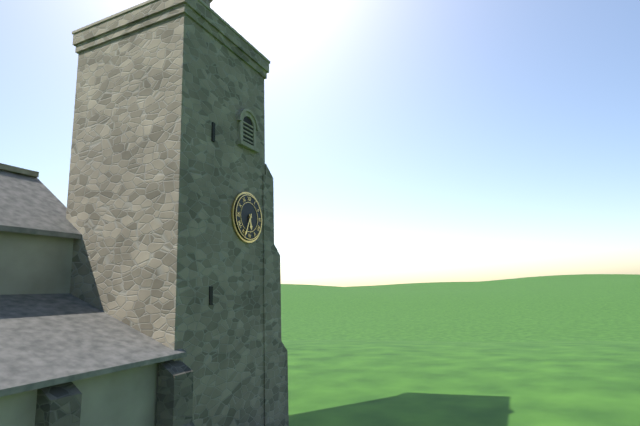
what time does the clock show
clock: 5:34
